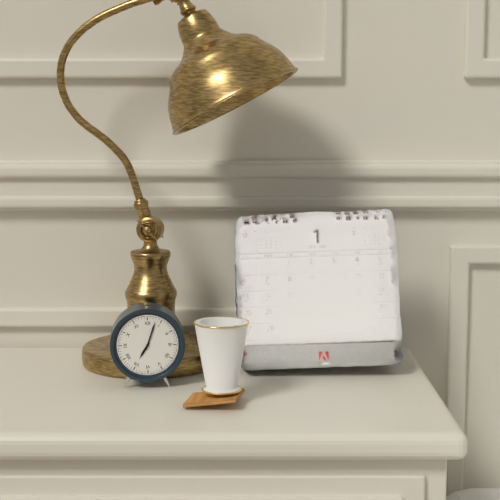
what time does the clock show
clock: 7:03
